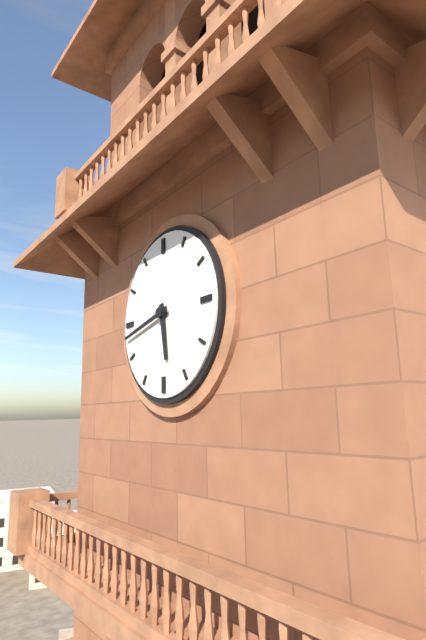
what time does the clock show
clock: 5:43
